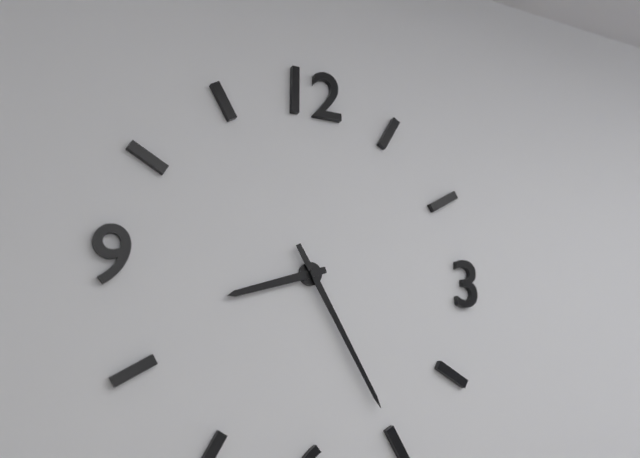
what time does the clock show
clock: 8:25
